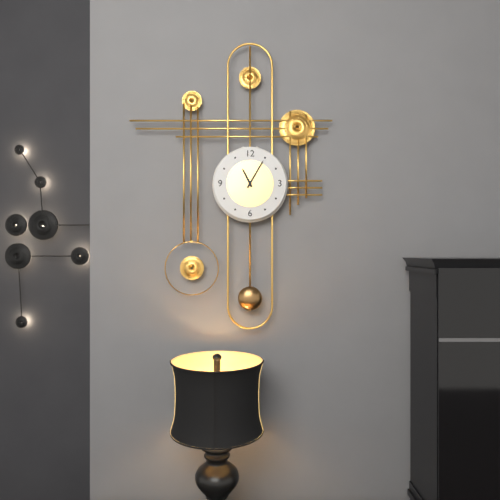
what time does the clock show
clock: 11:05
